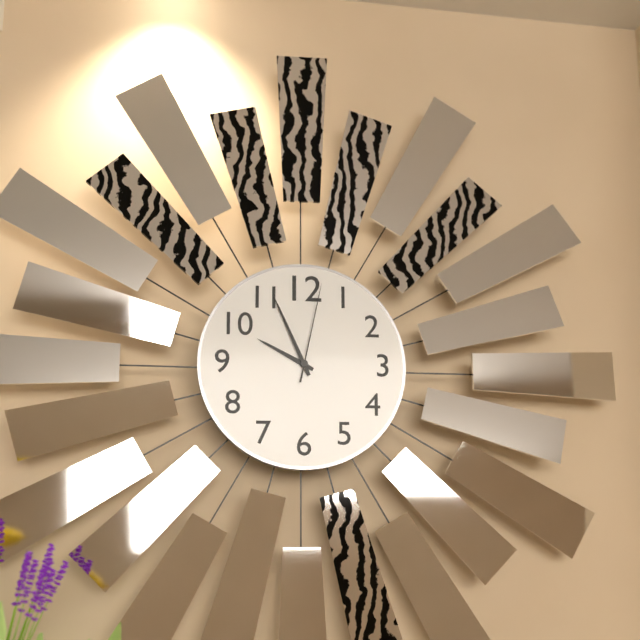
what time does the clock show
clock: 9:56:02
